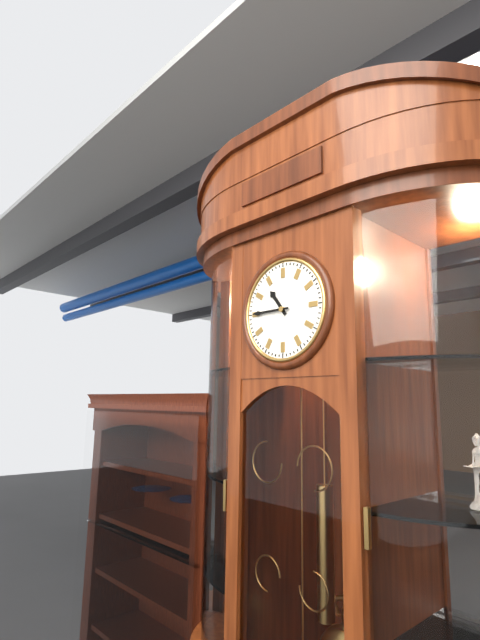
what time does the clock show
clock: 10:45
